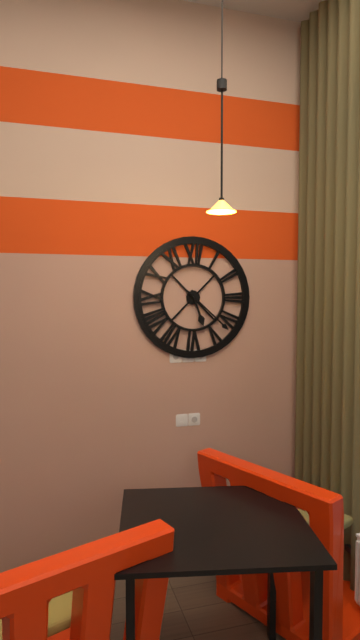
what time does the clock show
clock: 5:22
